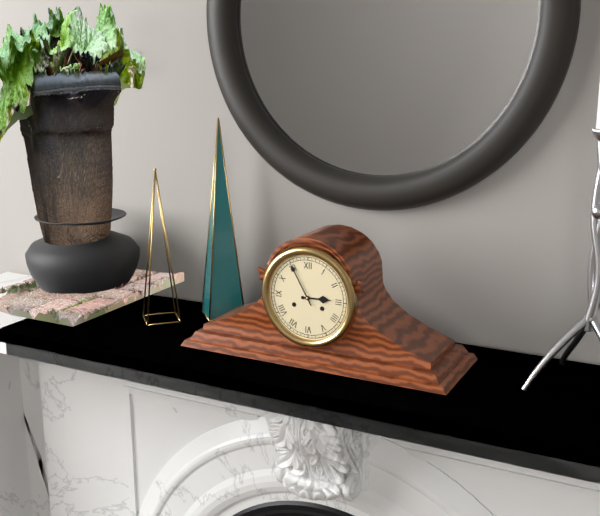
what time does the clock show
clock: 2:55
